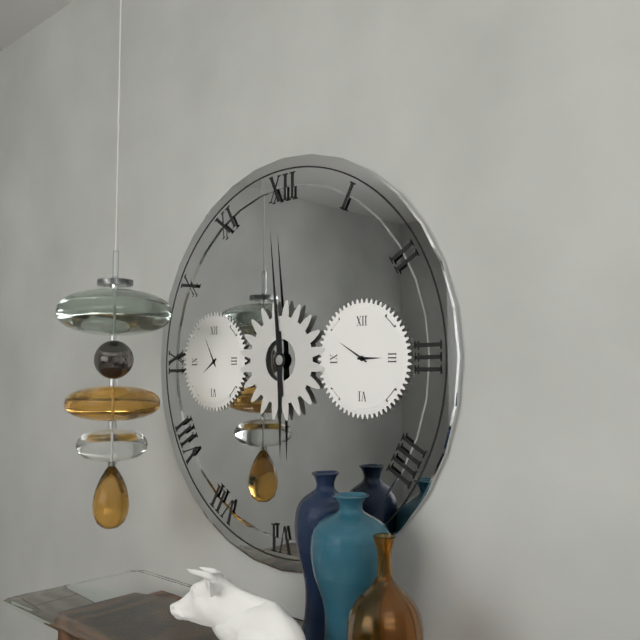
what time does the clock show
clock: 5:59
